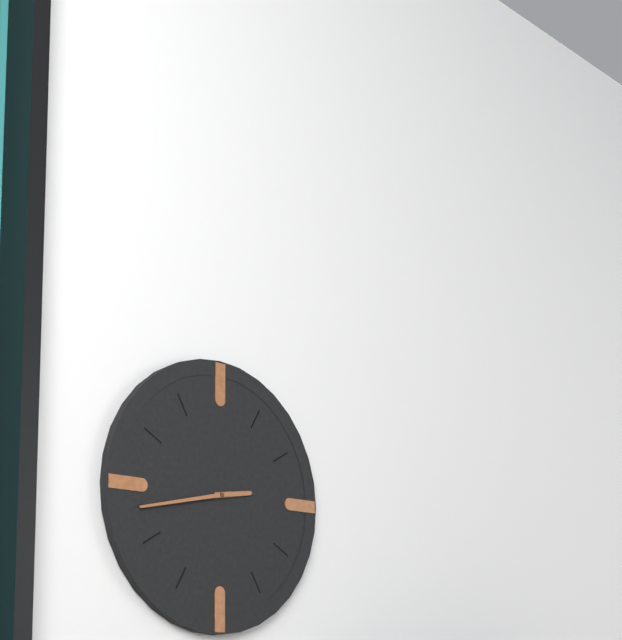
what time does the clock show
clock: 2:43
